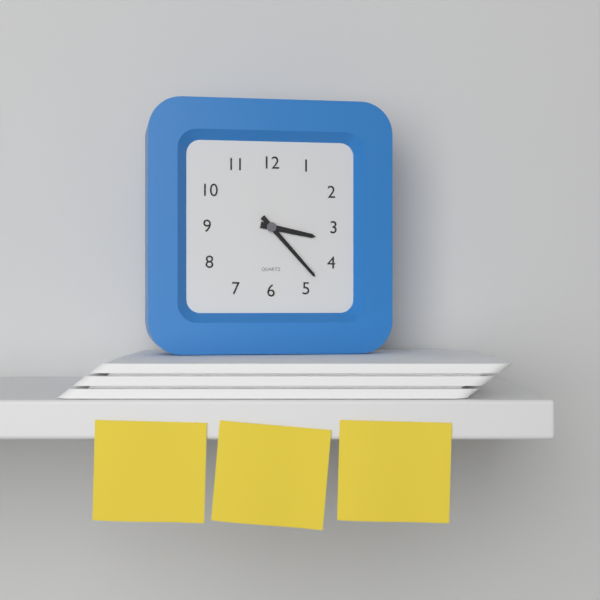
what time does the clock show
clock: 3:23
